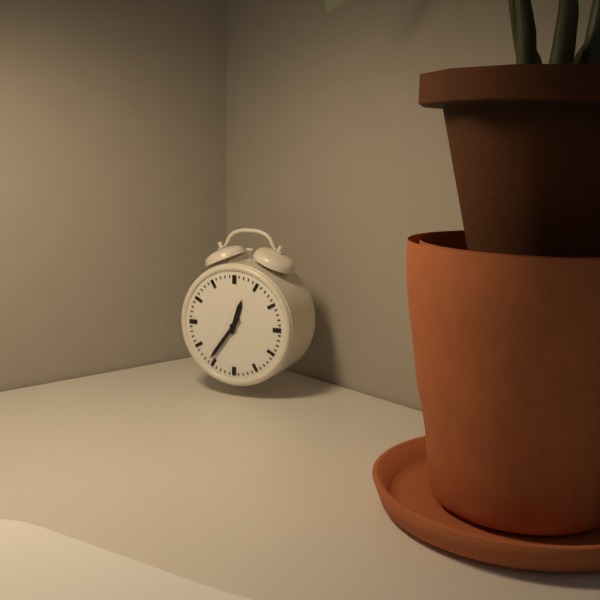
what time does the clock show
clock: 12:36
